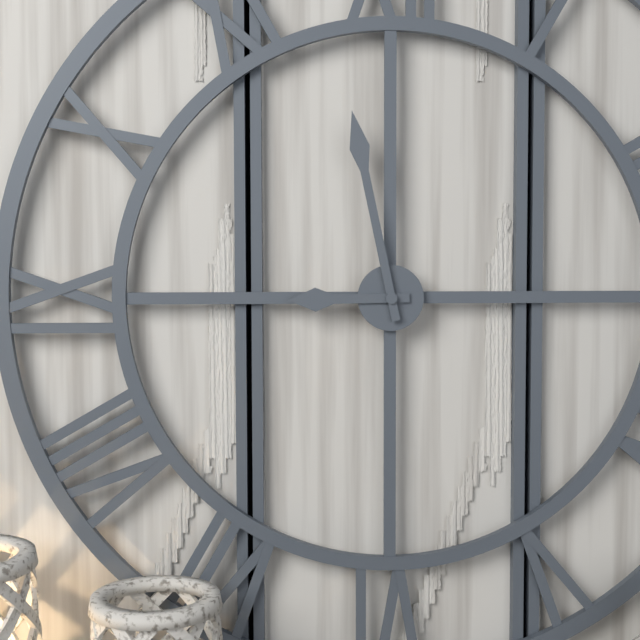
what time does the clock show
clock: 8:58
